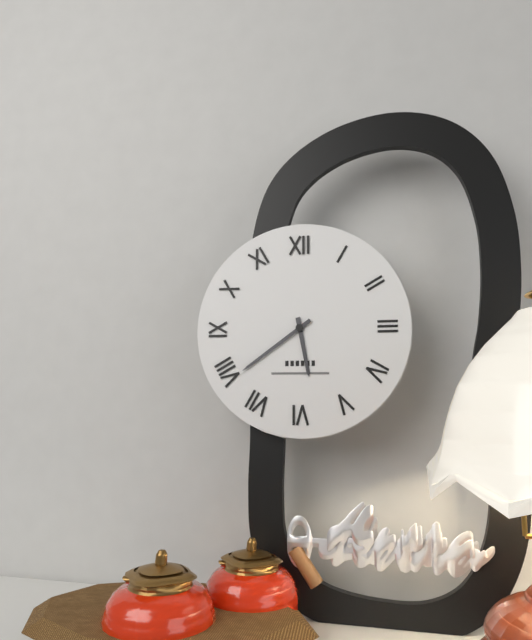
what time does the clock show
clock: 5:39
